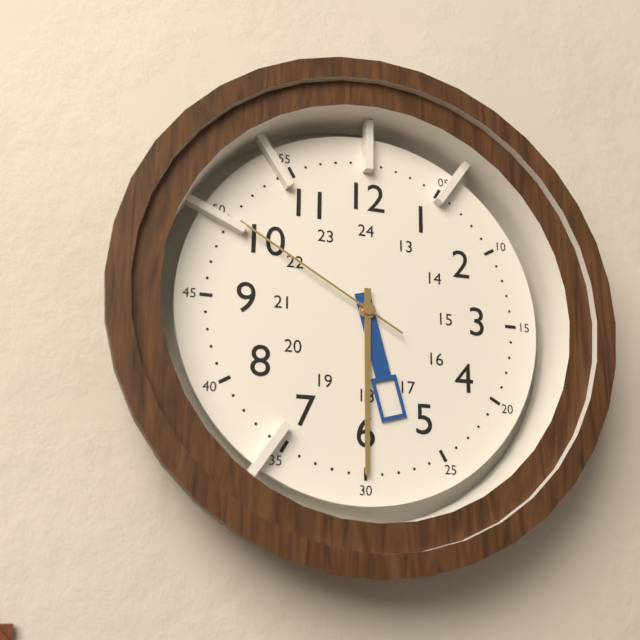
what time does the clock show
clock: 5:30:50
